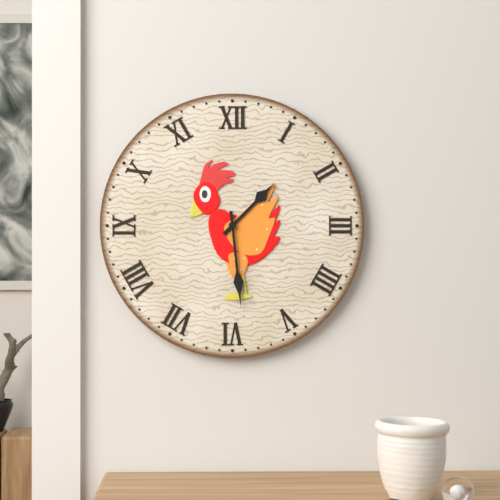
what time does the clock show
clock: 1:29
